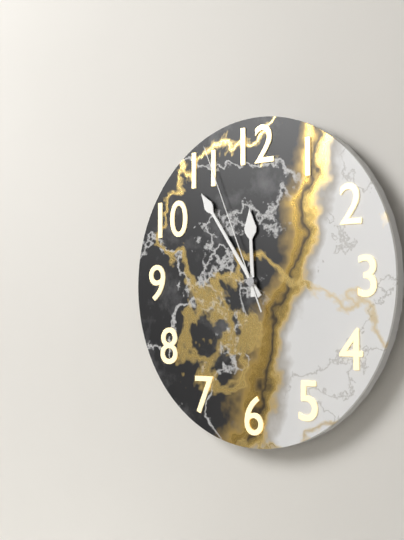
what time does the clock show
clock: 11:54:56
